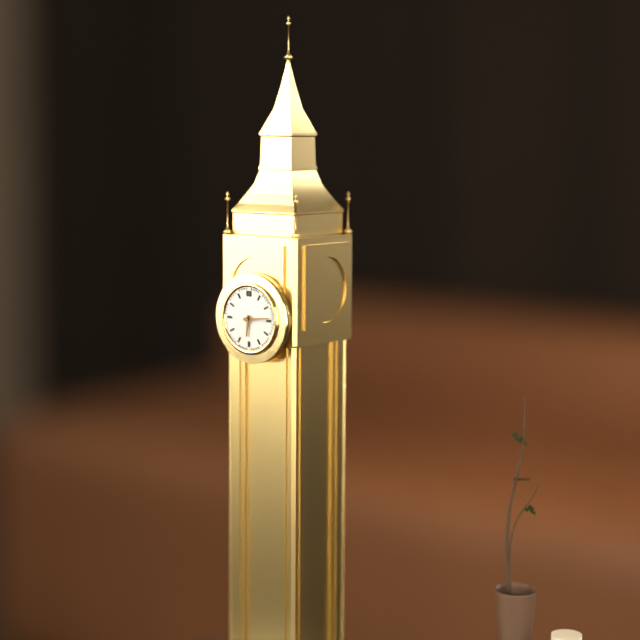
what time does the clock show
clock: 6:14
